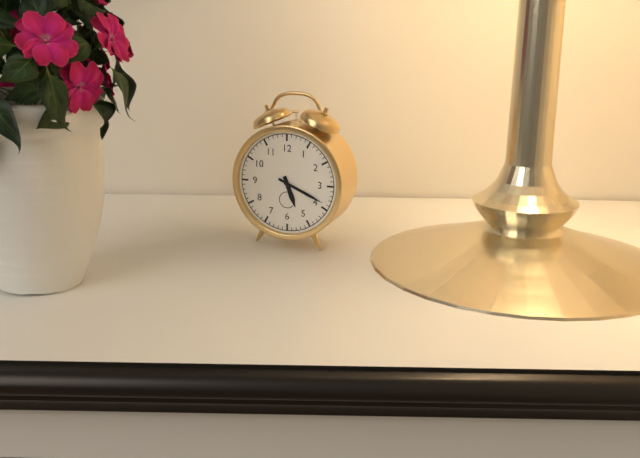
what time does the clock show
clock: 5:19
